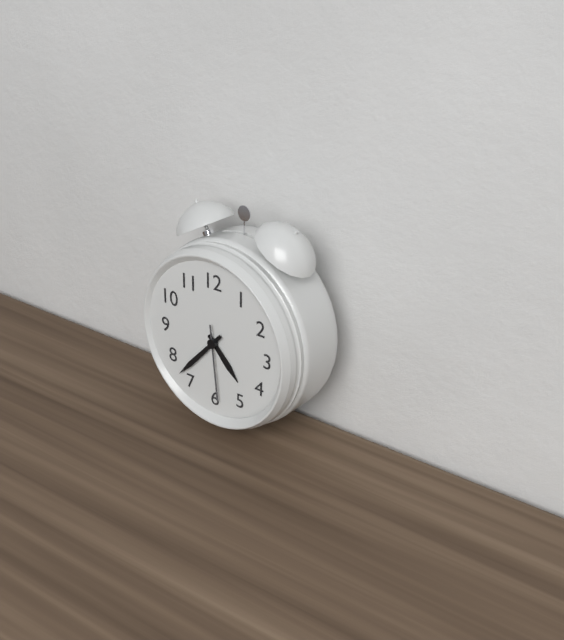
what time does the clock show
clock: 4:37:29
